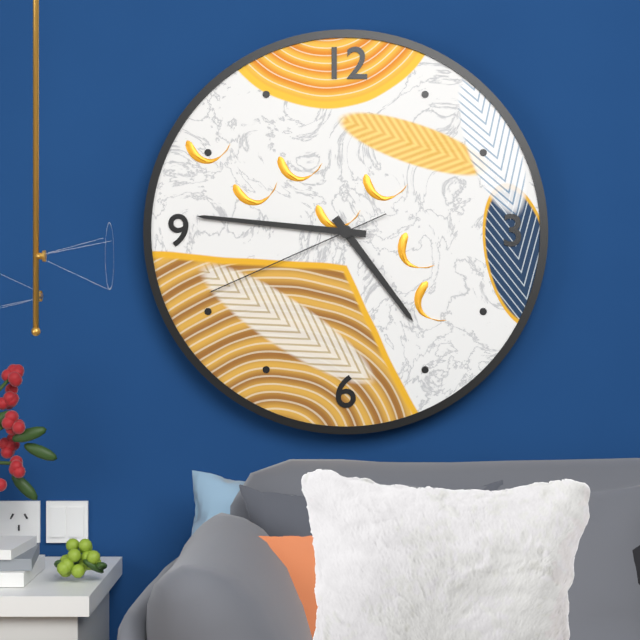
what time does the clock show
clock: 4:46:41
